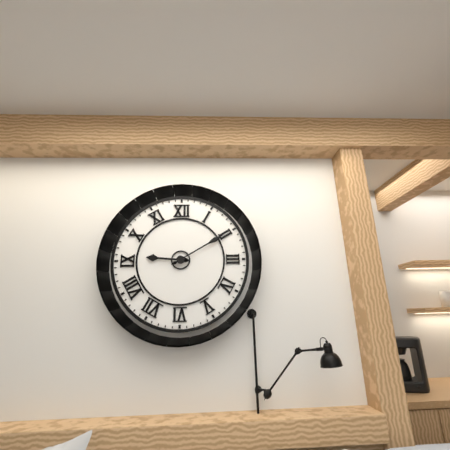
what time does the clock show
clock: 9:10
